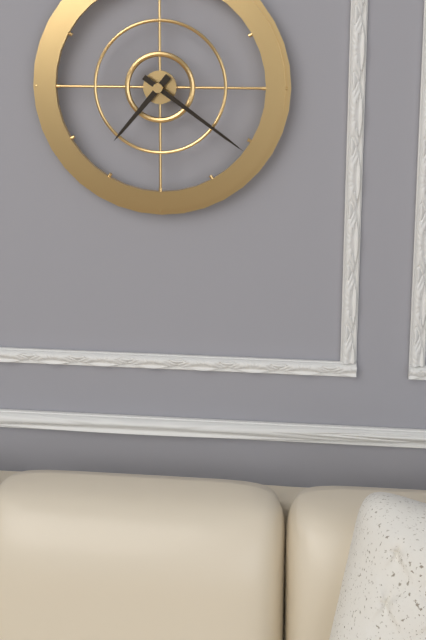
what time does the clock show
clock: 7:21
